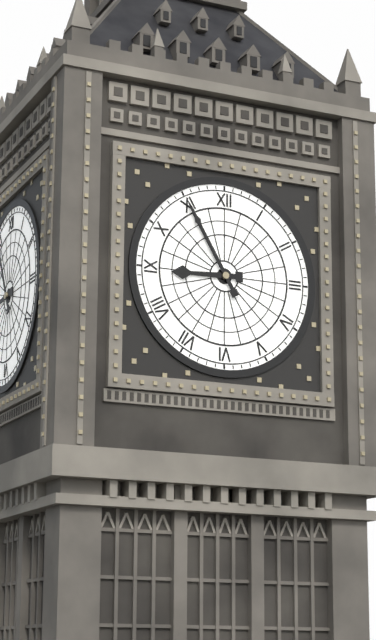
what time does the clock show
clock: 8:55
